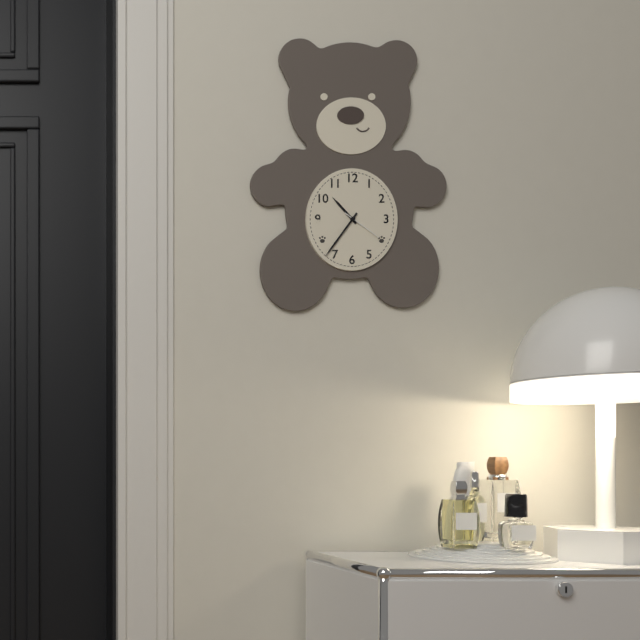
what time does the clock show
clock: 10:36
